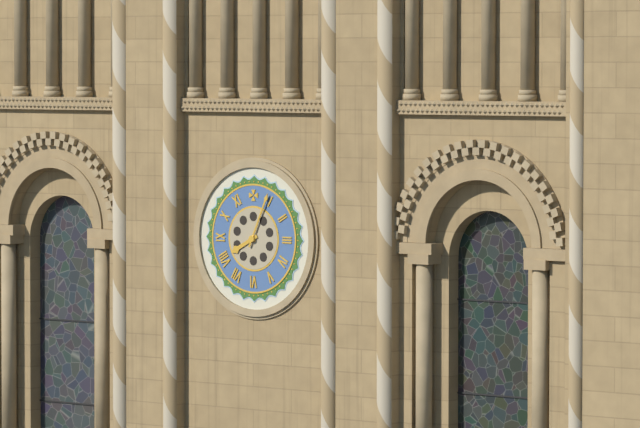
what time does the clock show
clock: 8:04
